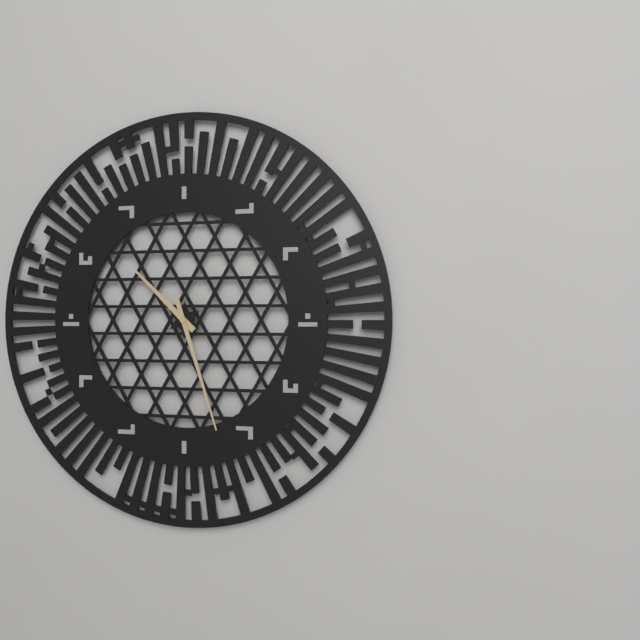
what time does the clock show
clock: 10:27
